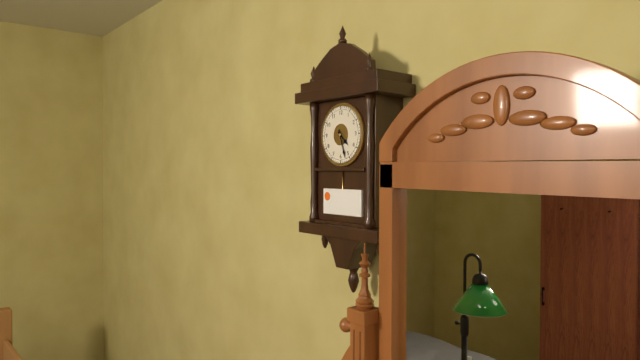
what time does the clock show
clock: 4:27
